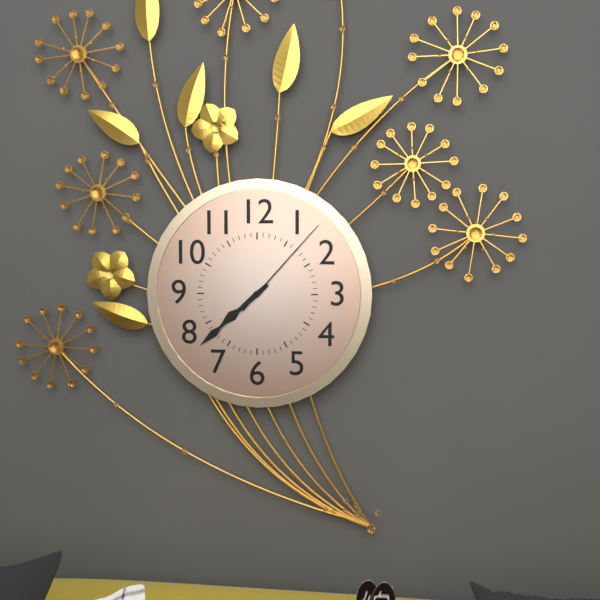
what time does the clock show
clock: 7:38:07
